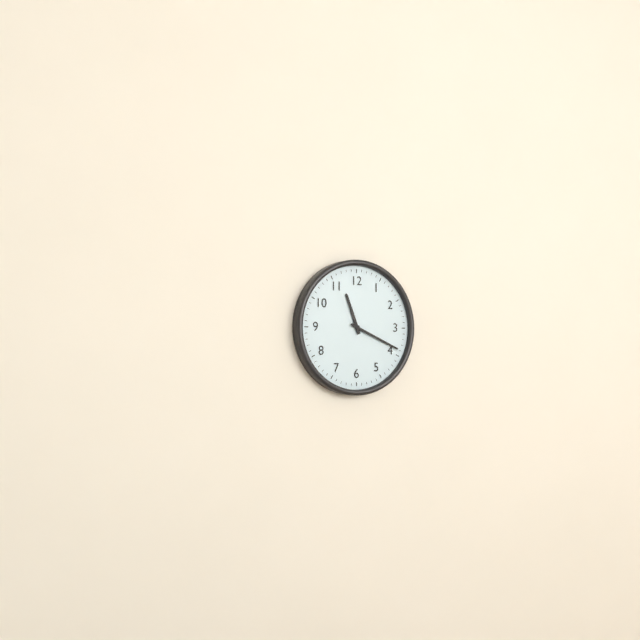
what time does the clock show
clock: 11:19
